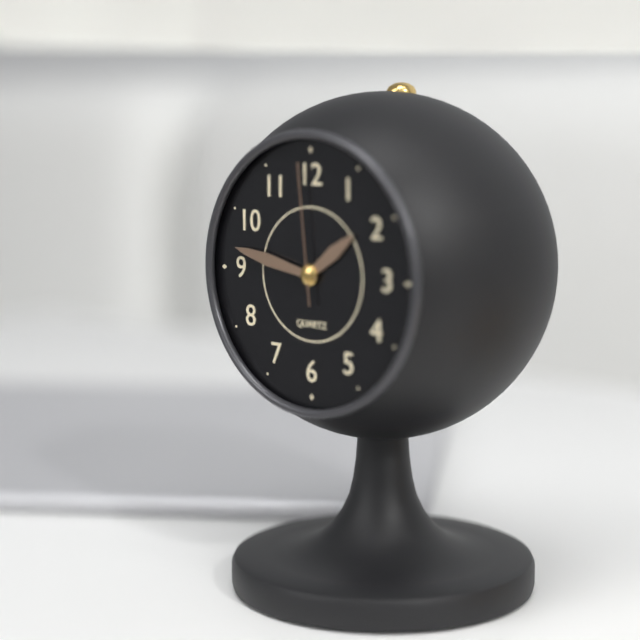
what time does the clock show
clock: 1:47:59
